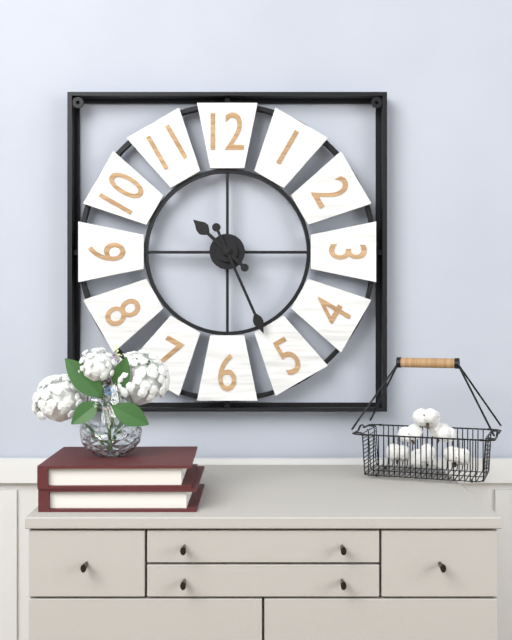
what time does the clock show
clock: 10:26
